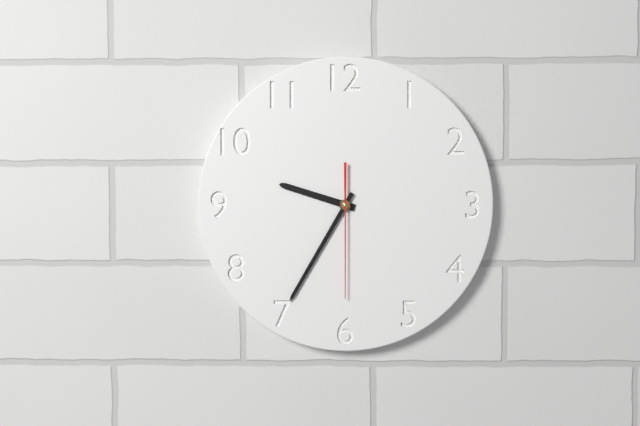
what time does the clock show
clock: 9:35:30
